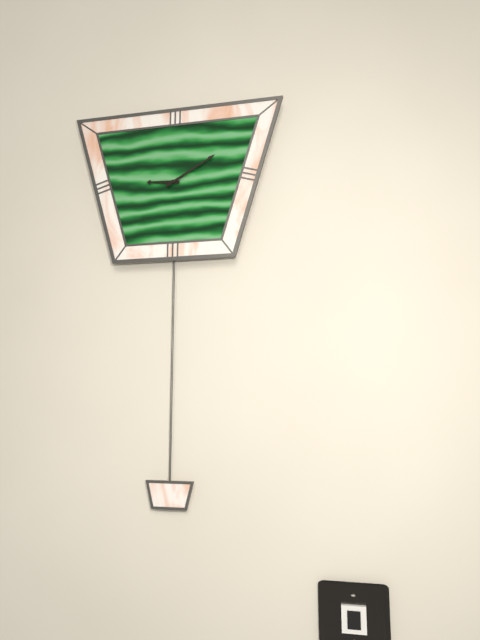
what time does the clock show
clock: 9:10
